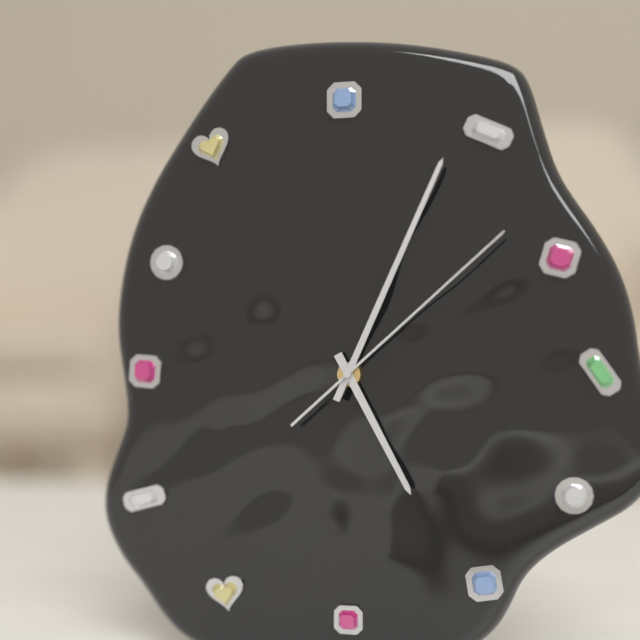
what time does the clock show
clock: 5:04:08
